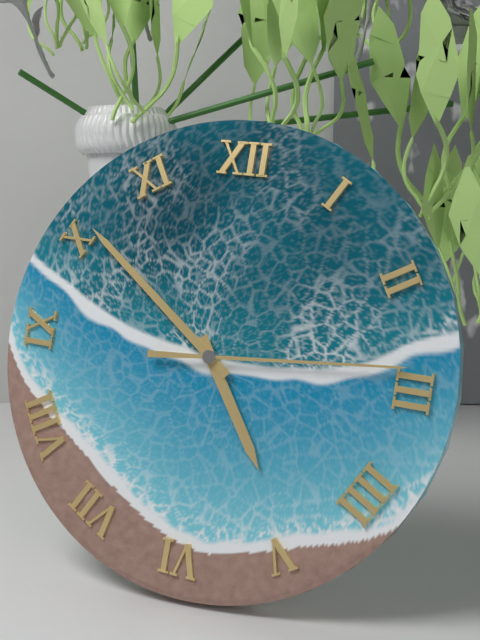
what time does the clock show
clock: 4:51:14
